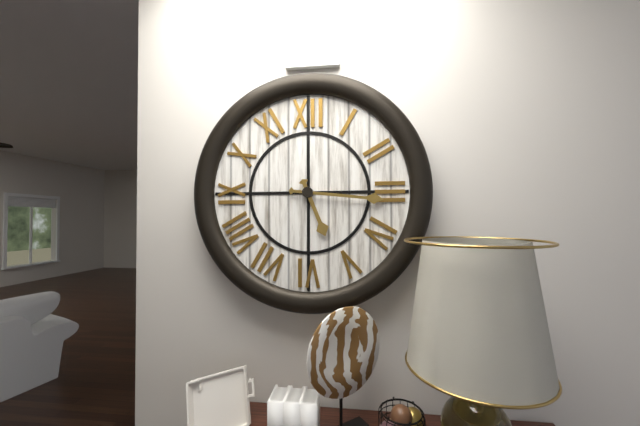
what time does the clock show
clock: 5:16
